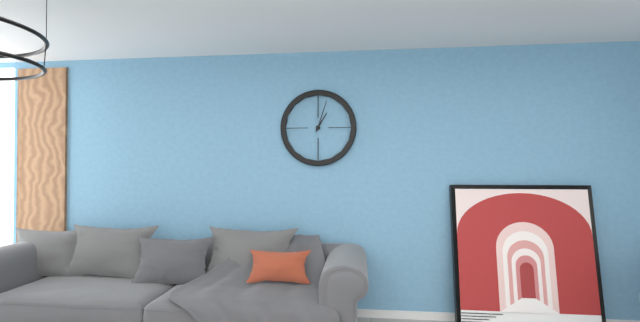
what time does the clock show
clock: 1:03
